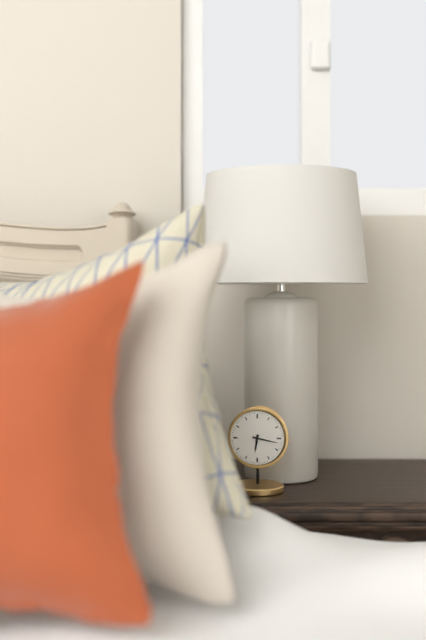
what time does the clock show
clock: 6:17
